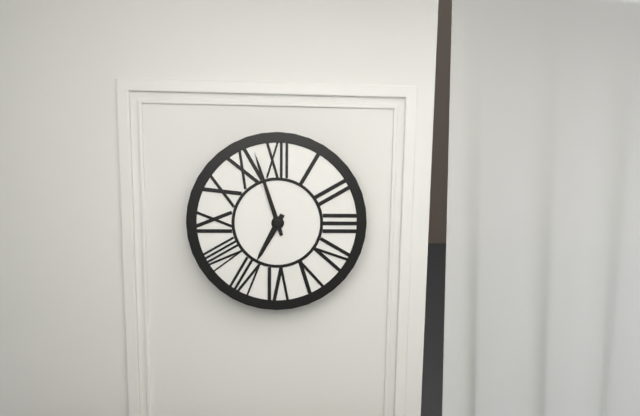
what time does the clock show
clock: 6:57
